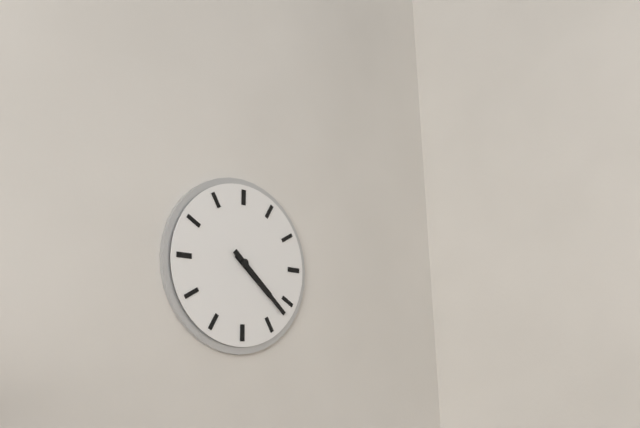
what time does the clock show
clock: 4:22
